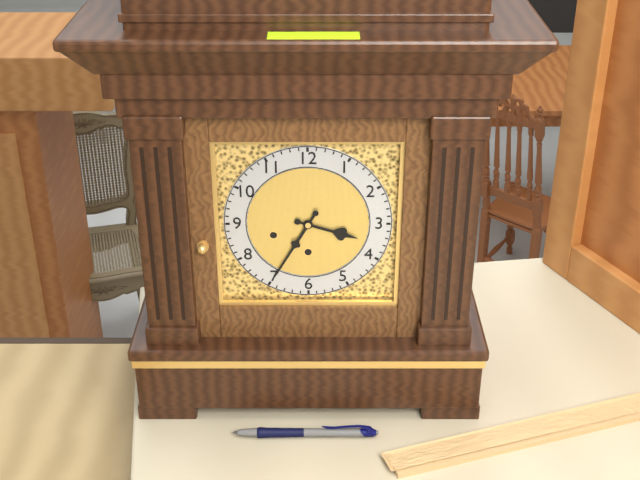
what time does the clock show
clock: 3:35
